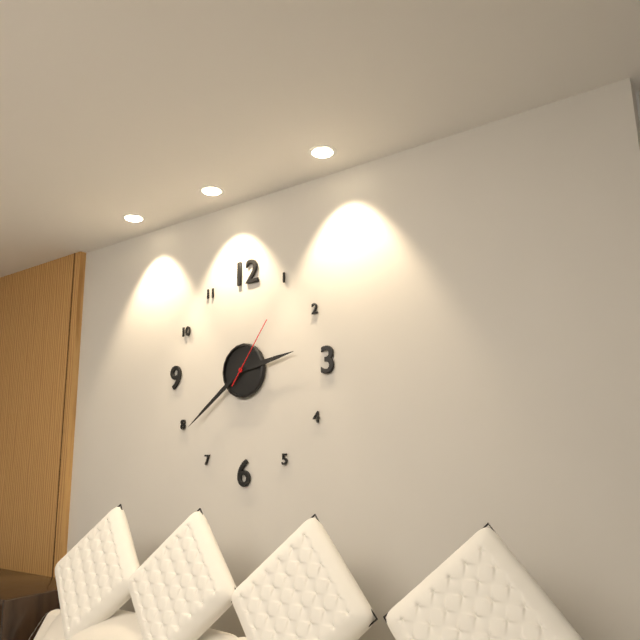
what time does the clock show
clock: 2:39:06
